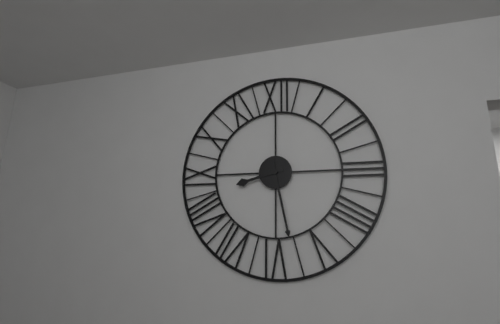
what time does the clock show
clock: 8:28
